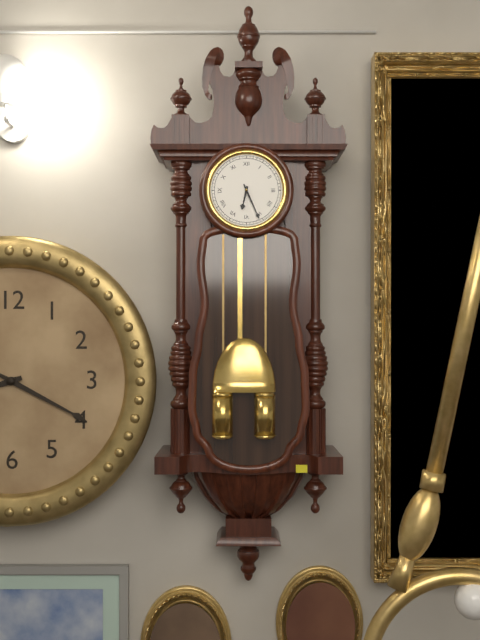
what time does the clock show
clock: 6:26
